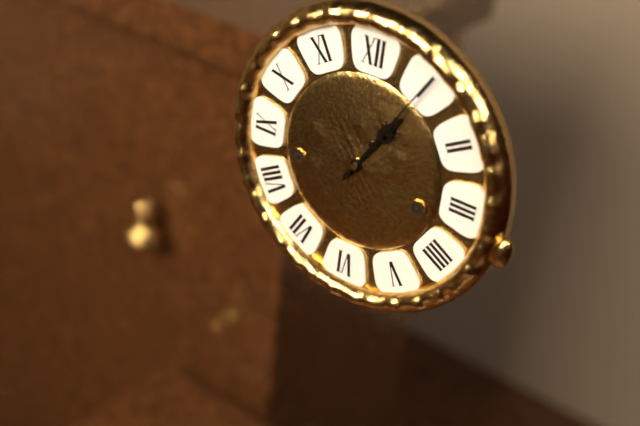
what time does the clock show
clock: 1:05
